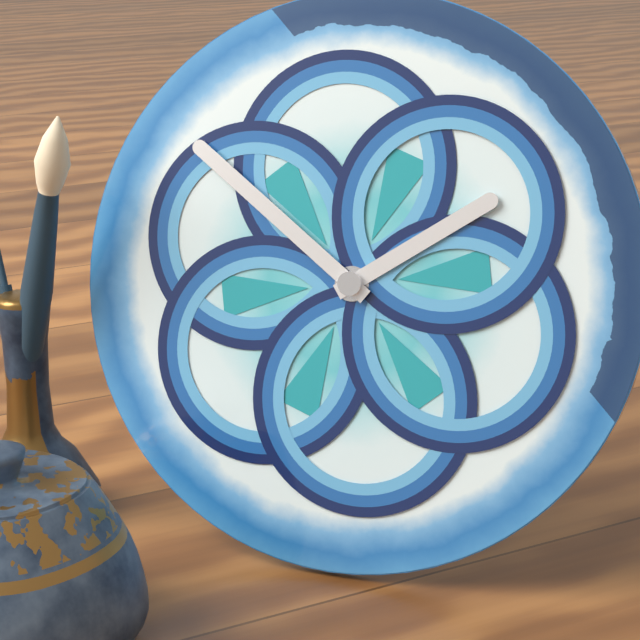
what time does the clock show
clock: 1:51
